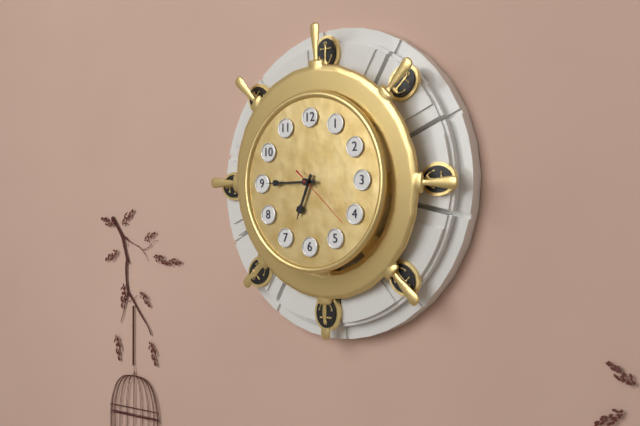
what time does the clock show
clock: 6:45:22
